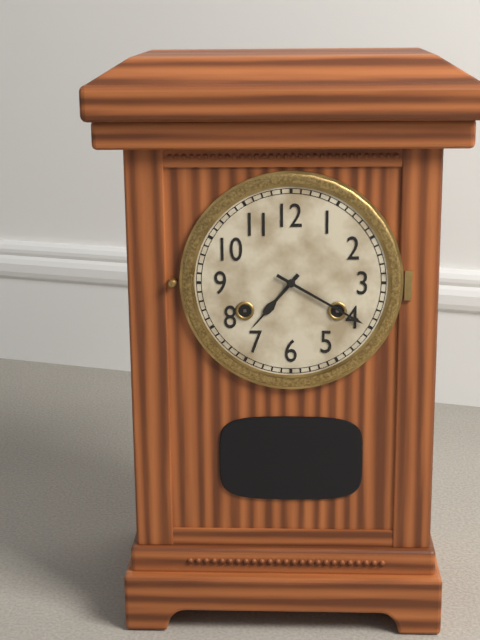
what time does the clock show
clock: 7:20
